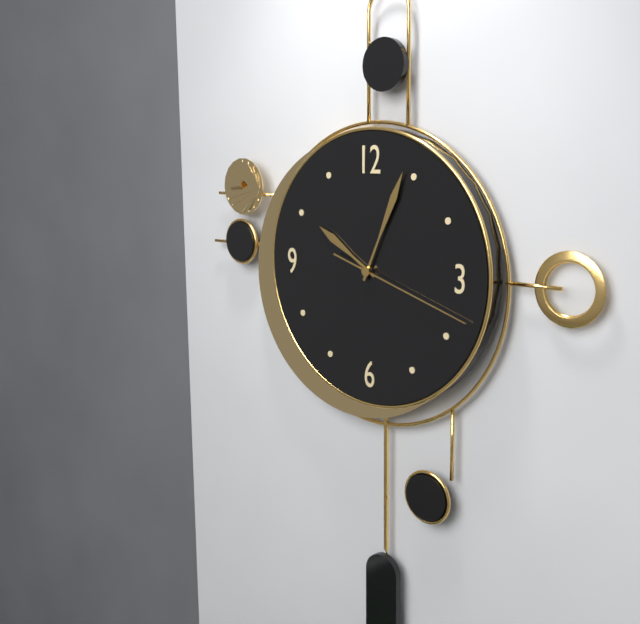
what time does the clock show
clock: 10:04:18
